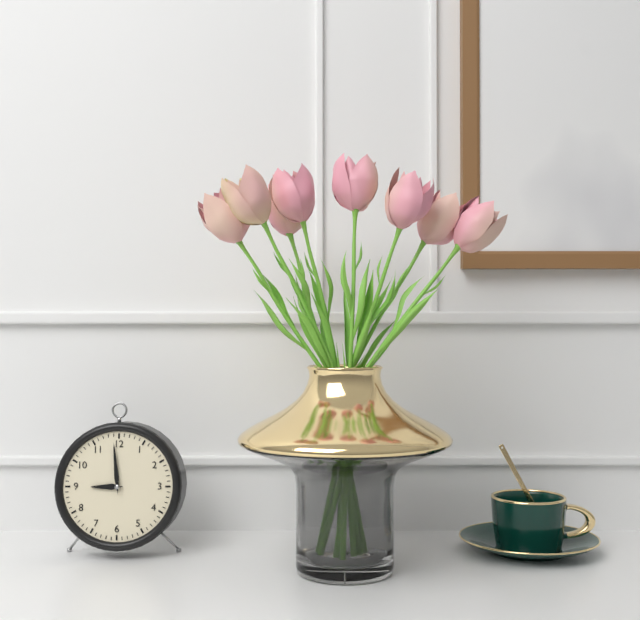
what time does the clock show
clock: 8:59
